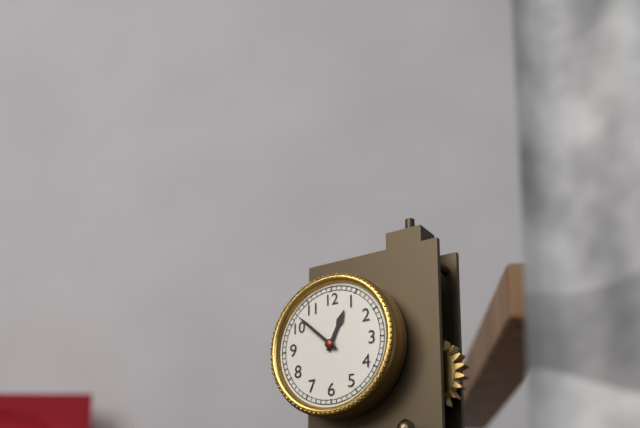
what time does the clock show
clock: 12:52
